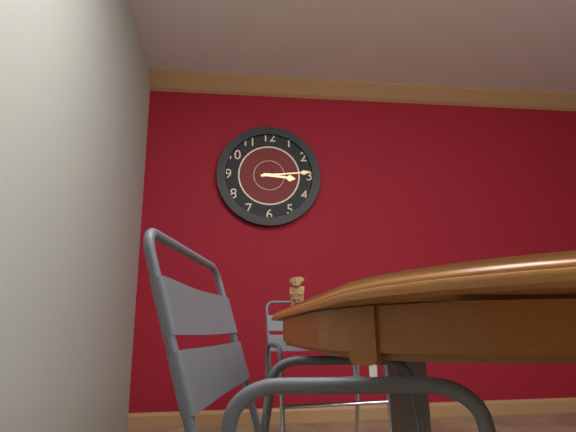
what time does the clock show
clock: 3:14
